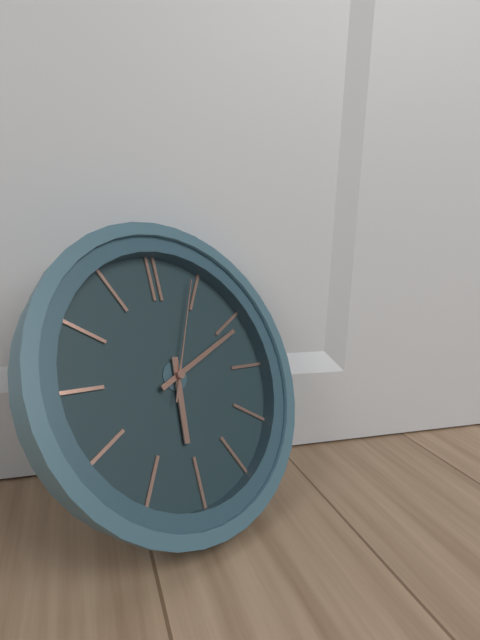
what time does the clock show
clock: 6:11:04
